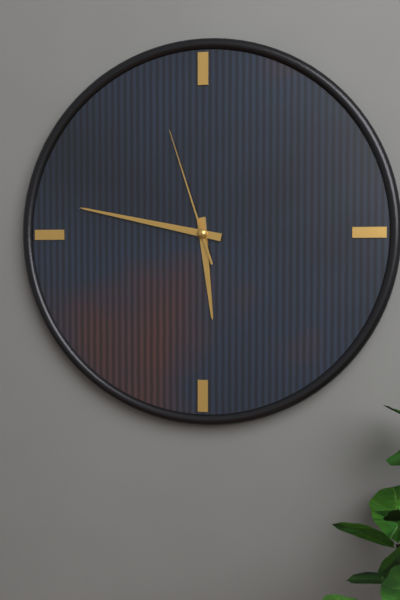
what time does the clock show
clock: 5:47:57
